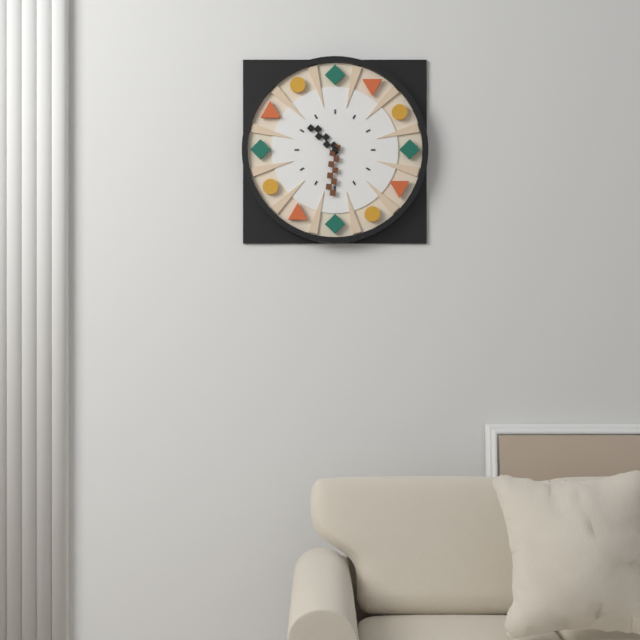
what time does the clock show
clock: 10:31
